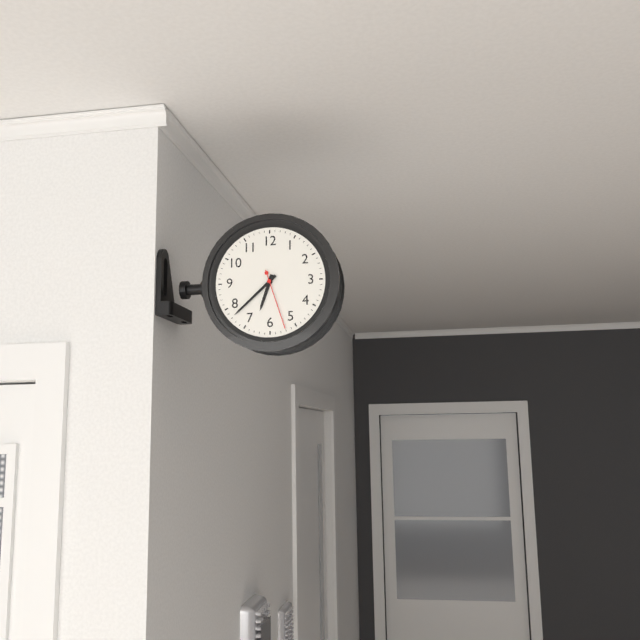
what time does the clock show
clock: 6:38:27
